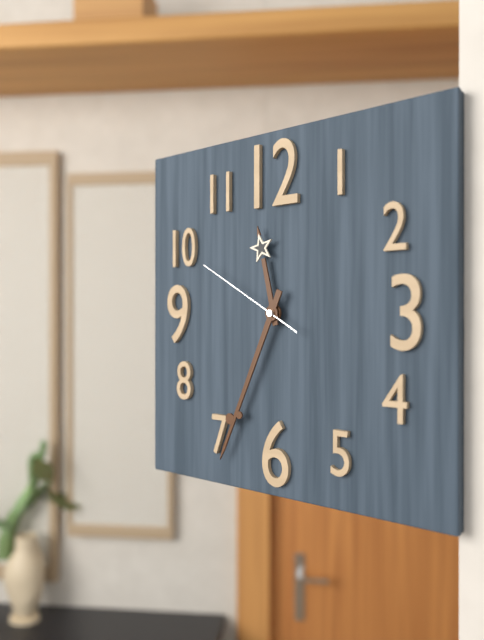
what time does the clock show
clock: 11:34:50
